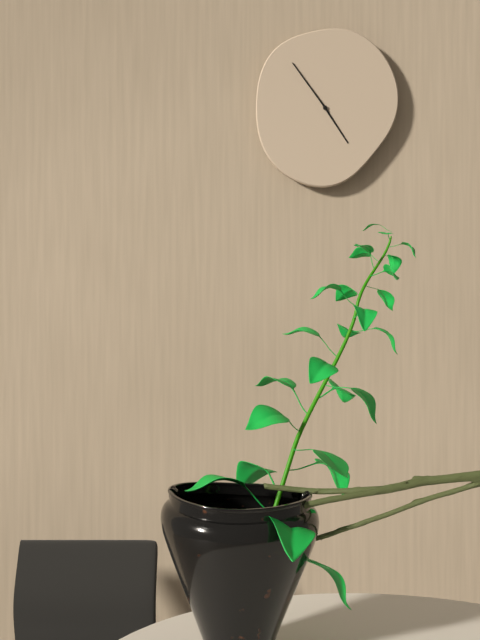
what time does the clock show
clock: 4:54
